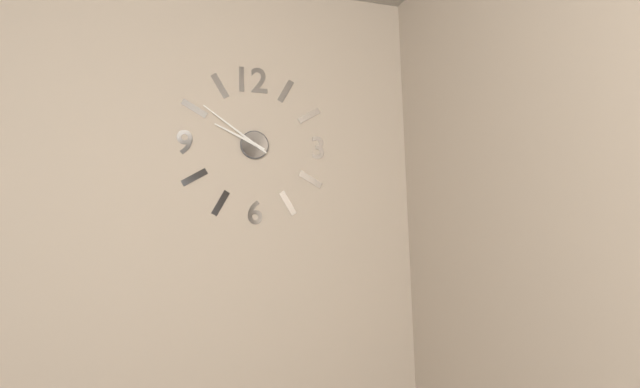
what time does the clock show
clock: 9:51
